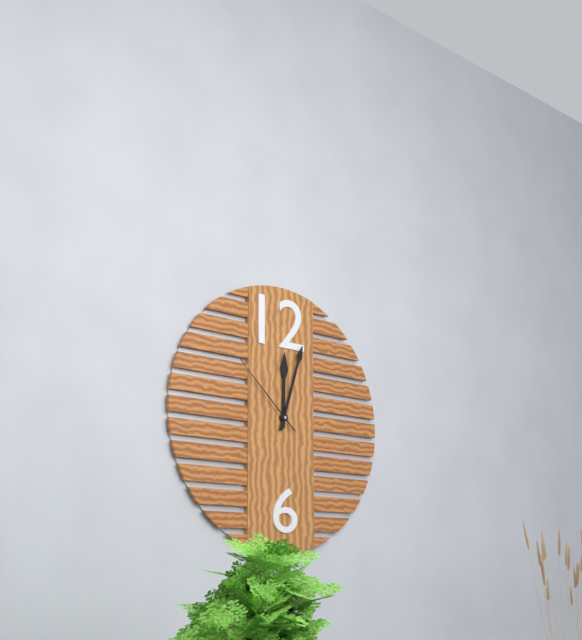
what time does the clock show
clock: 12:03:52
